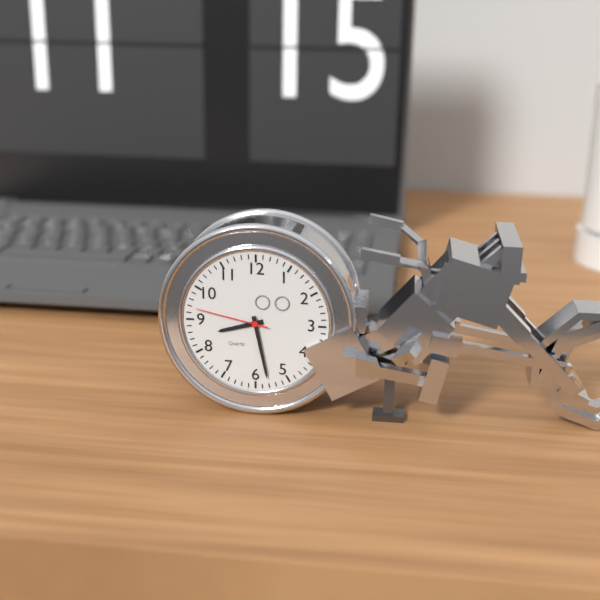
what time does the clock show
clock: 8:28:47
